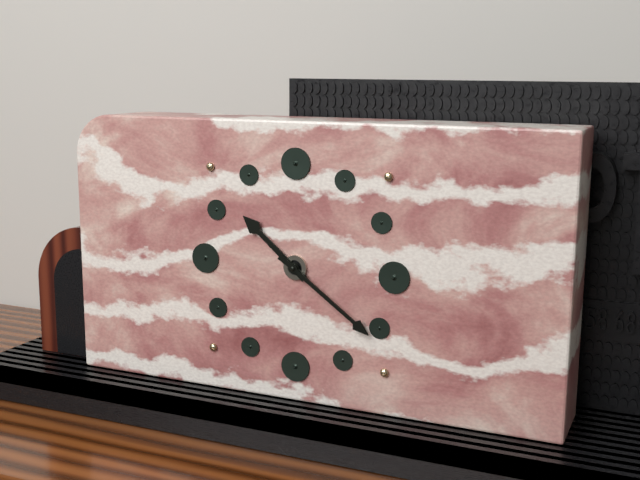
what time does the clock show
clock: 10:21
